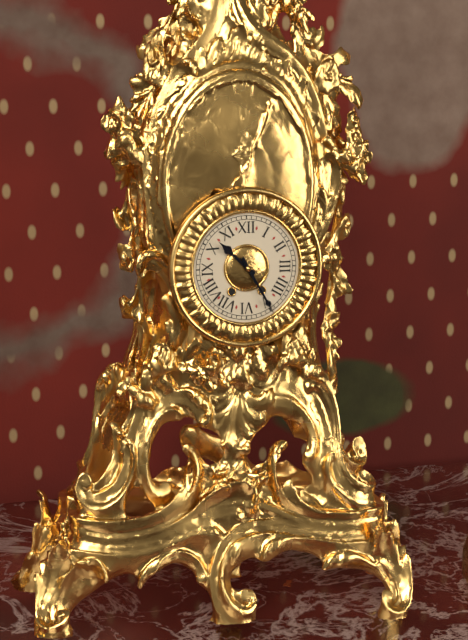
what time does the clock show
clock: 10:25
